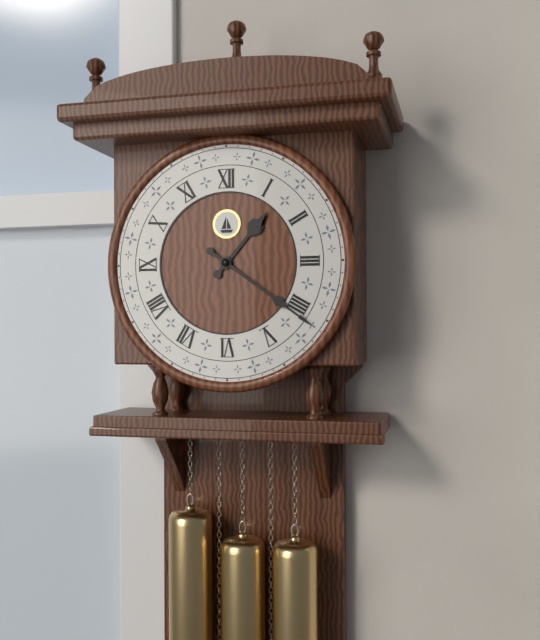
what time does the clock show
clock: 1:21
